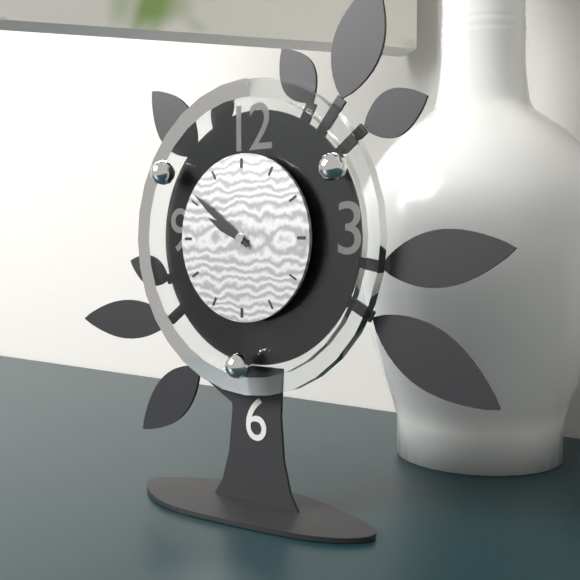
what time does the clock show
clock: 9:51
